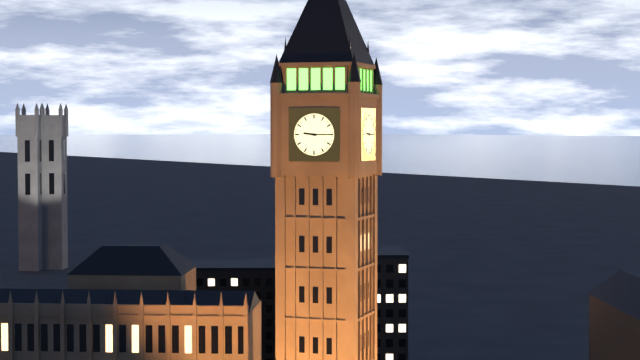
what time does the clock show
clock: 9:15
